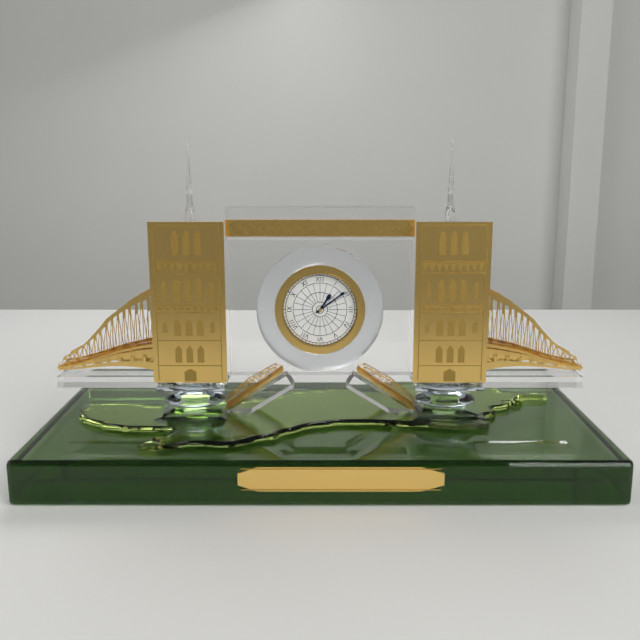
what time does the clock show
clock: 1:09
